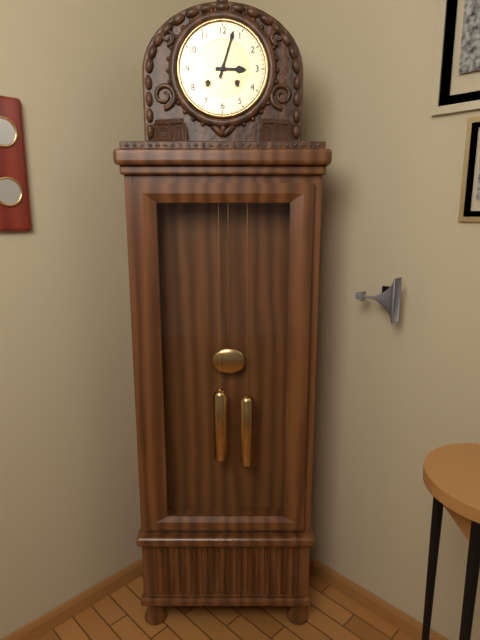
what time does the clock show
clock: 3:03
